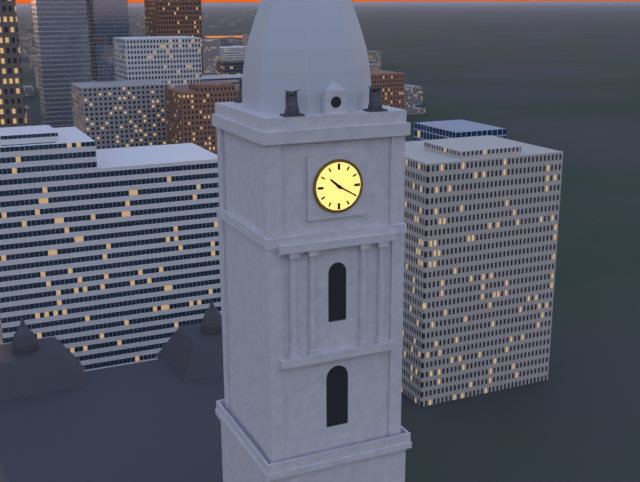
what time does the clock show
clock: 10:20
